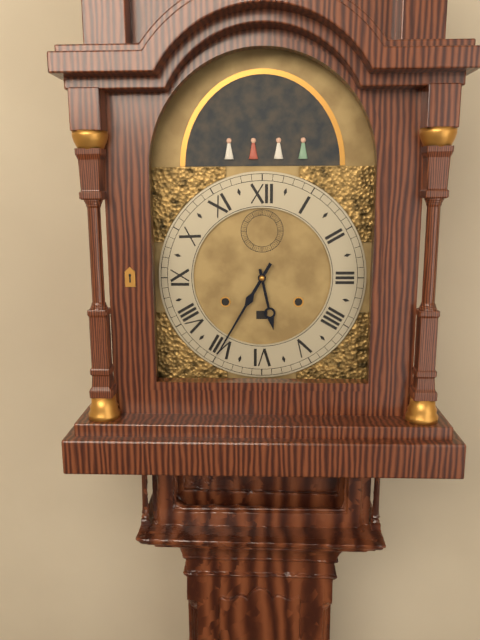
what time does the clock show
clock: 5:35
